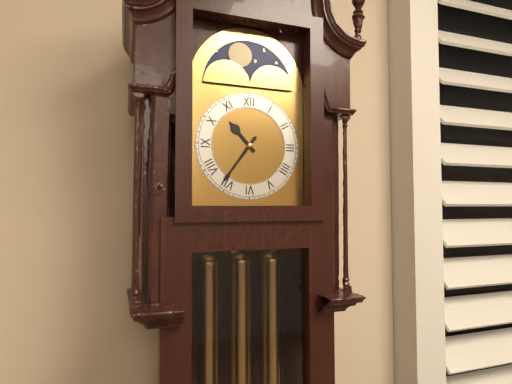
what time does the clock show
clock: 10:36
